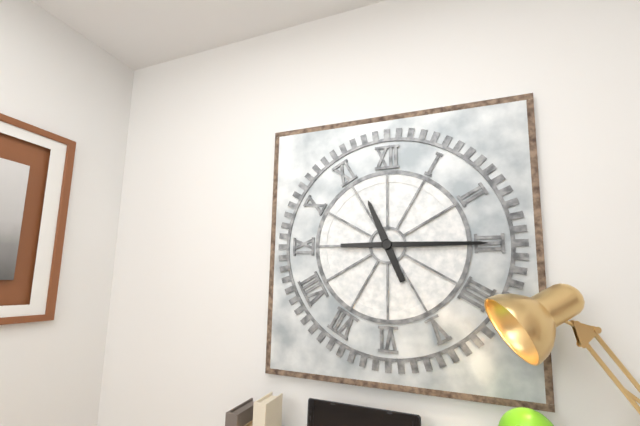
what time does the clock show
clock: 11:15
